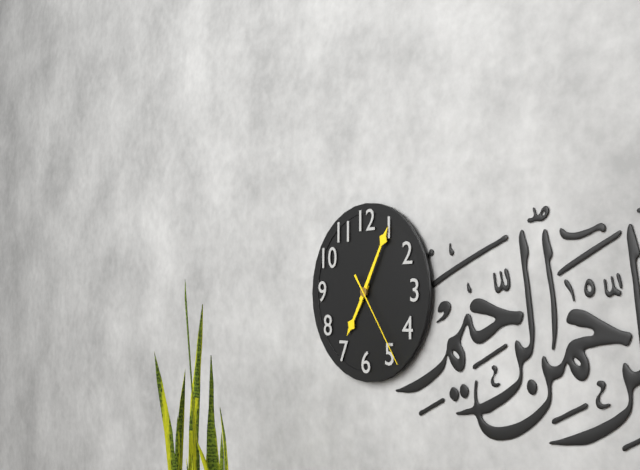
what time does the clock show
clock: 7:05:24
